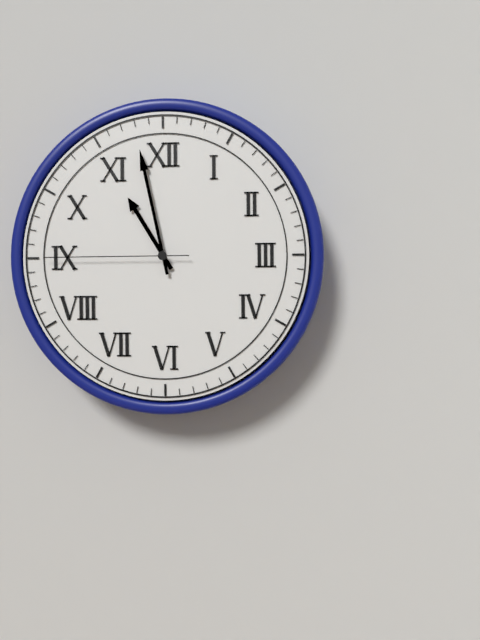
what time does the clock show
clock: 10:58:45
